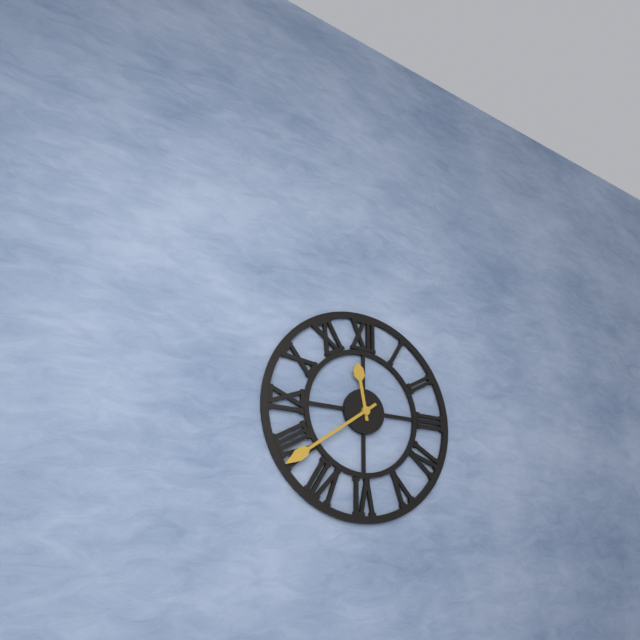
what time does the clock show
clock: 11:39
